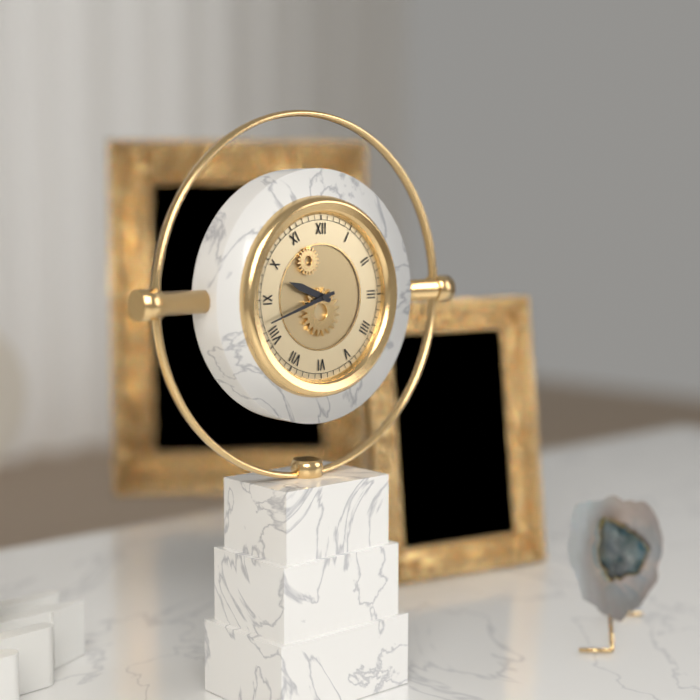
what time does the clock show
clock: 9:42
